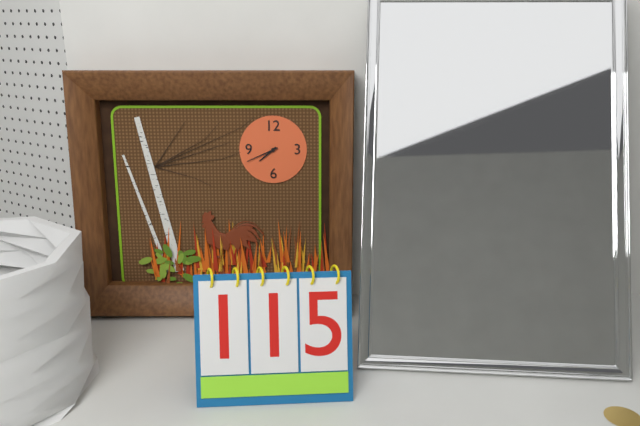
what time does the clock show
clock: 7:41
